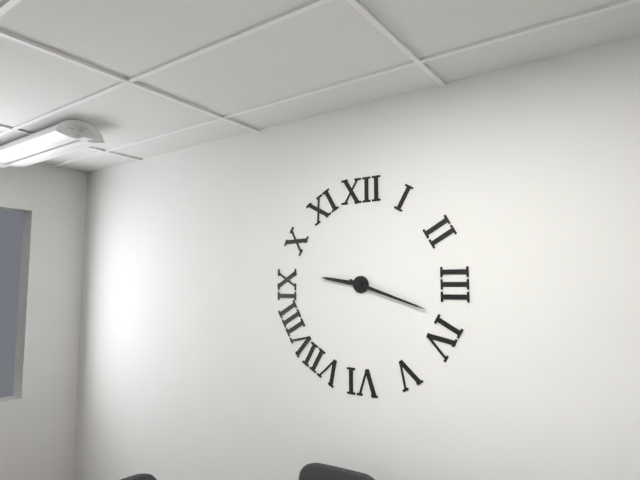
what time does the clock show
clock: 9:18
